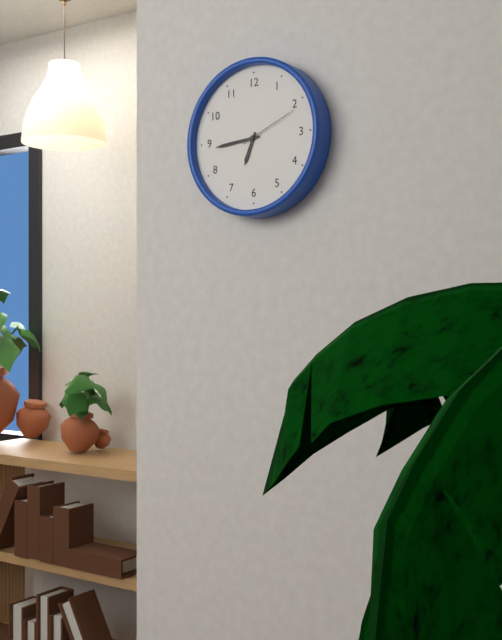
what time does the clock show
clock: 6:44:11
